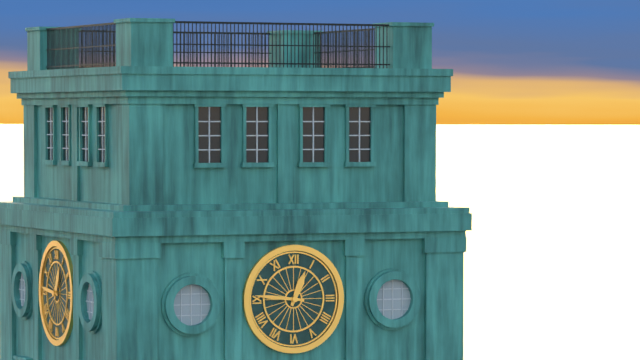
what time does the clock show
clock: 12:46
